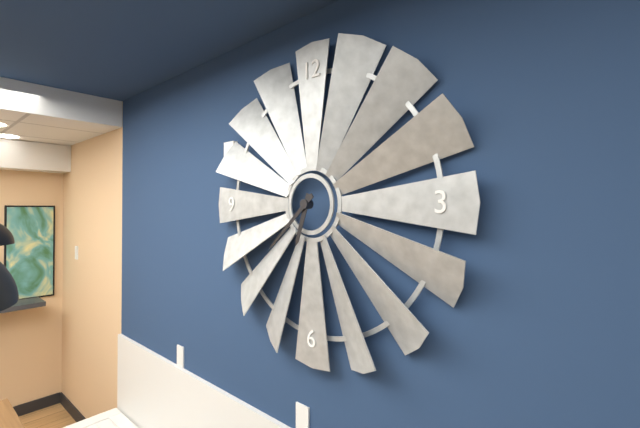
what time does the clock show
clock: 6:38
